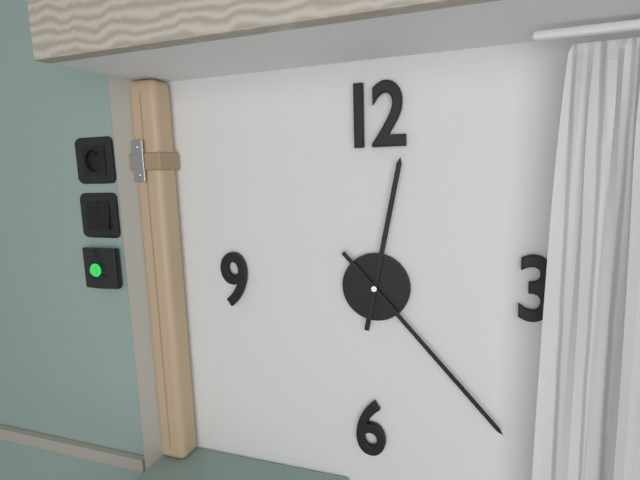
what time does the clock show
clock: 12:23
